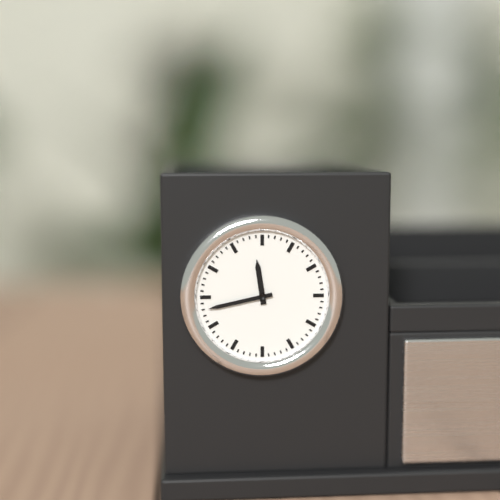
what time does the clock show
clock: 11:43
